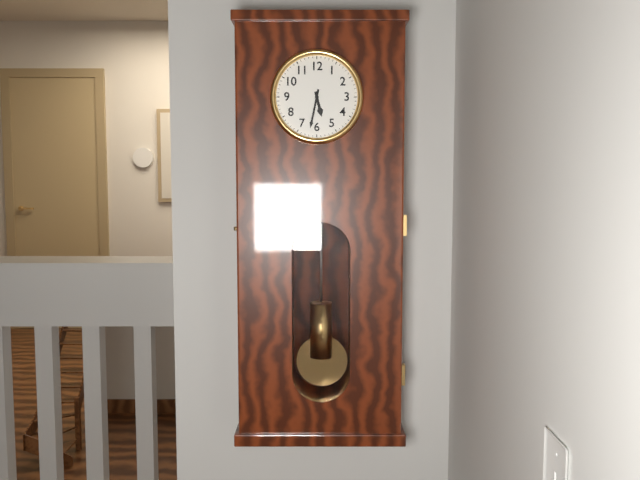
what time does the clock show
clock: 5:32
